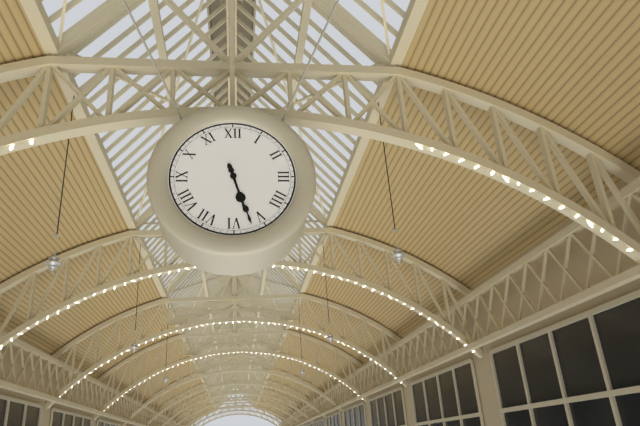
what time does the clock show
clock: 5:27
